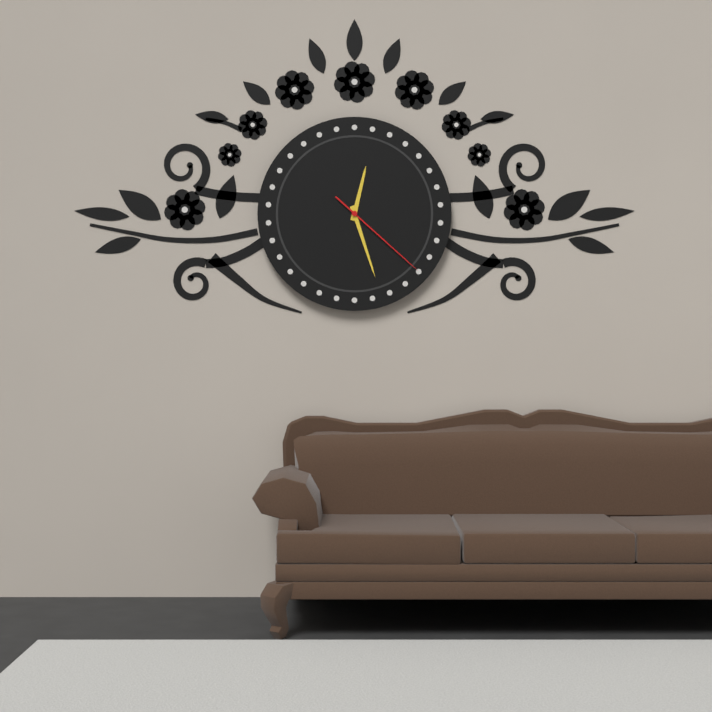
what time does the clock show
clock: 12:27:22
